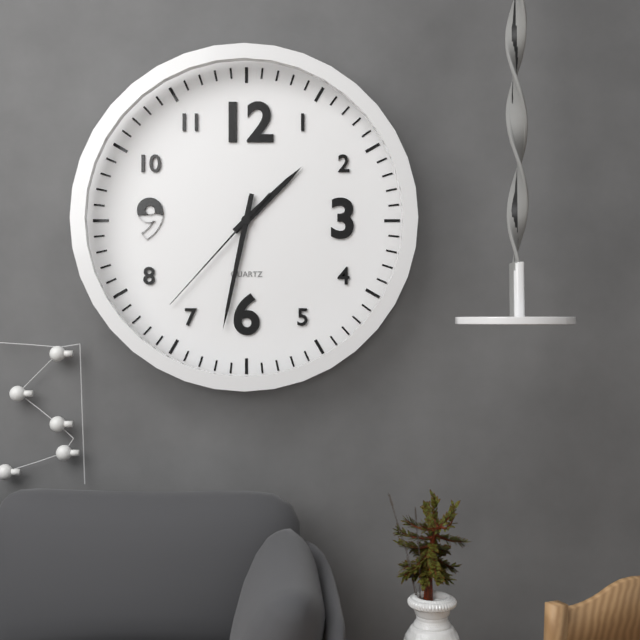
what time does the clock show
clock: 1:32:37
